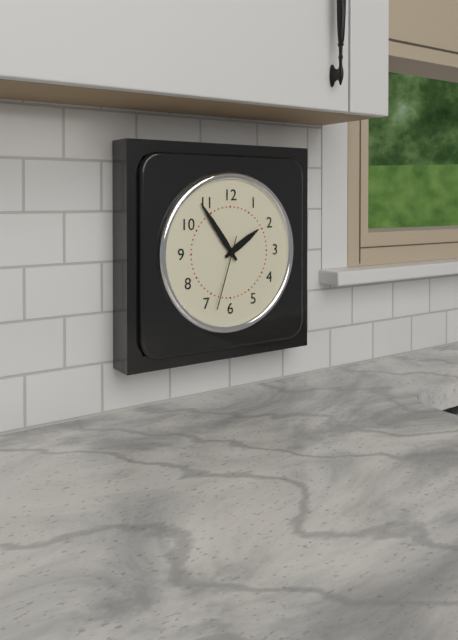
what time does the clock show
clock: 1:54:33
